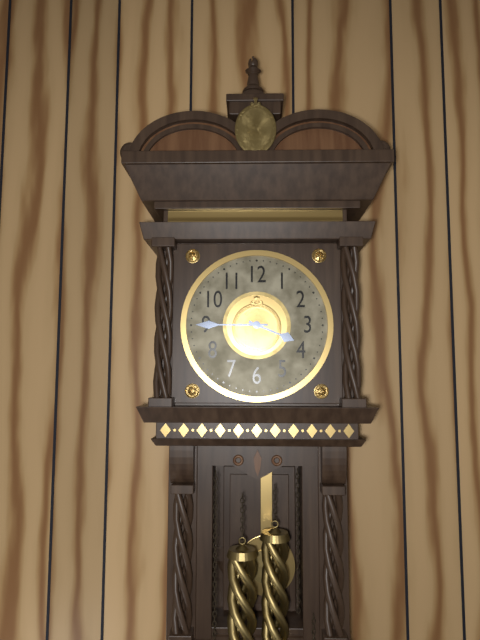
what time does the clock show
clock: 3:45
